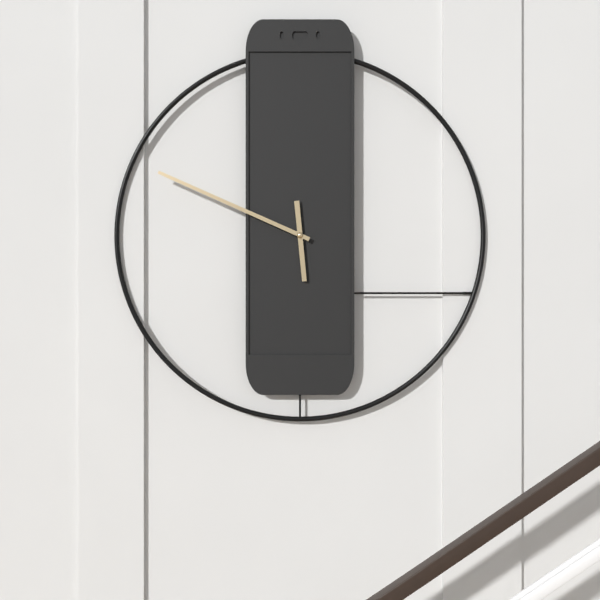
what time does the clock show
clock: 5:49
